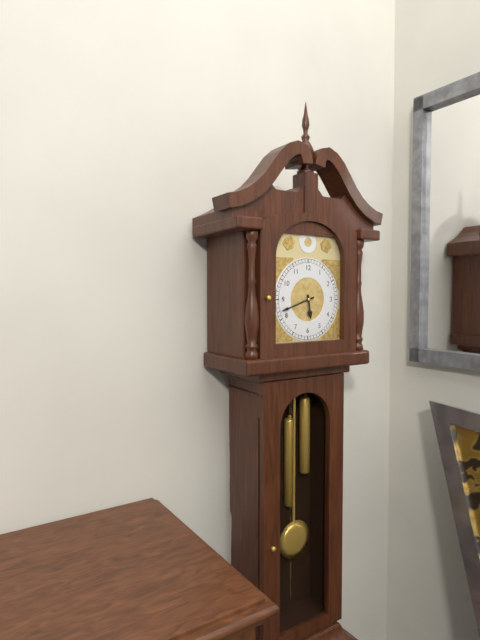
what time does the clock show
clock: 5:42
